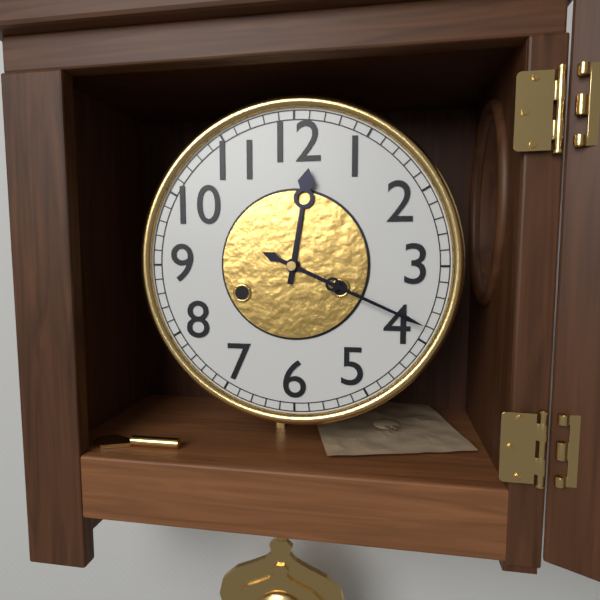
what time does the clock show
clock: 12:19
